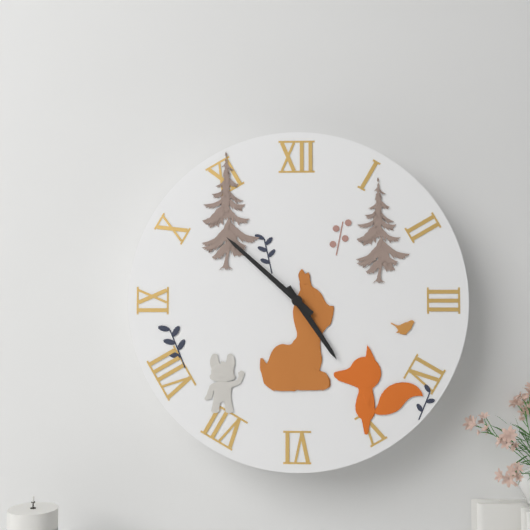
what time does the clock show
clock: 4:52
